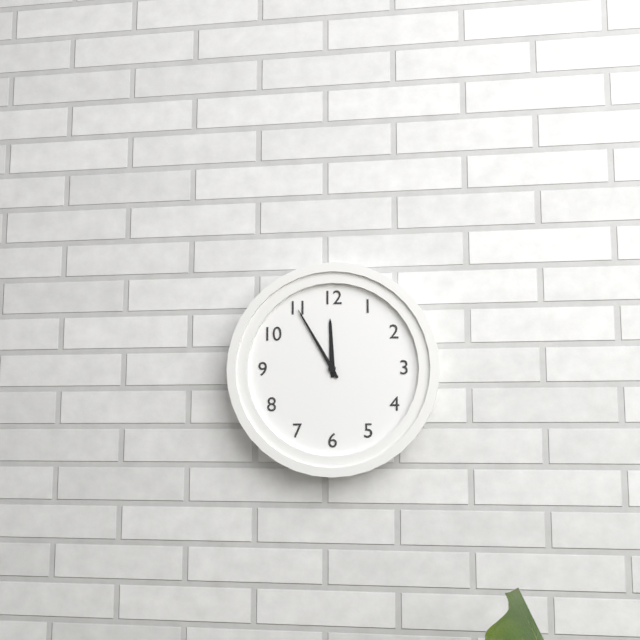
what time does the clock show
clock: 11:55
